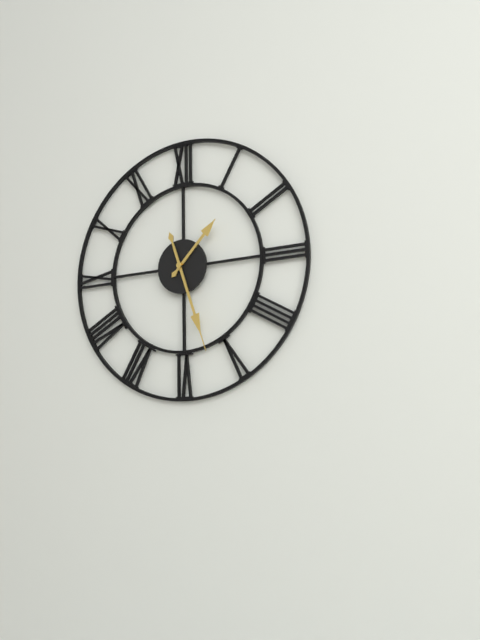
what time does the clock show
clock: 1:27
